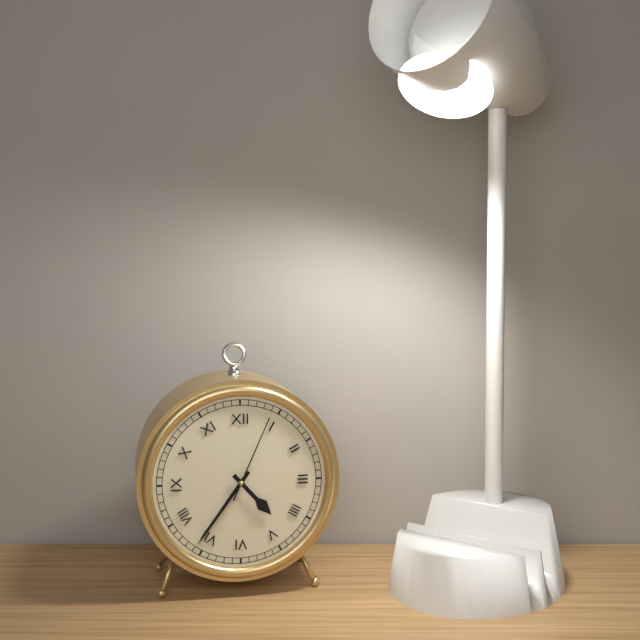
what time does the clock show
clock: 4:36:04
